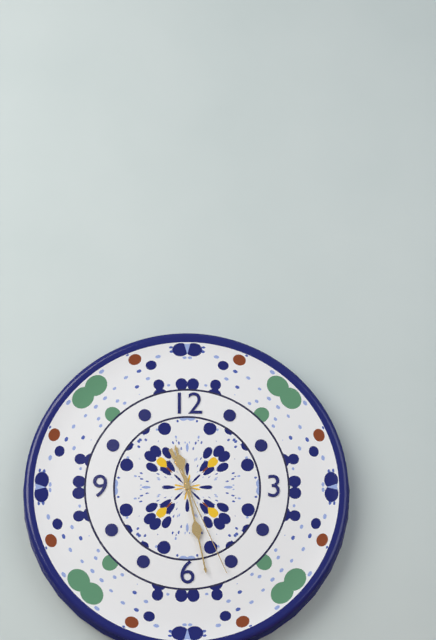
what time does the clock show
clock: 11:28:26
